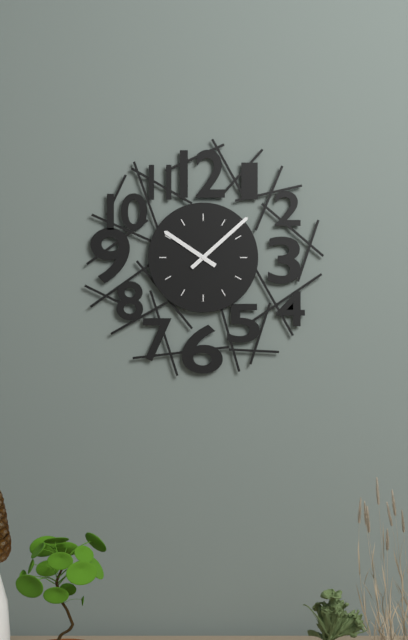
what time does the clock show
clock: 10:08
